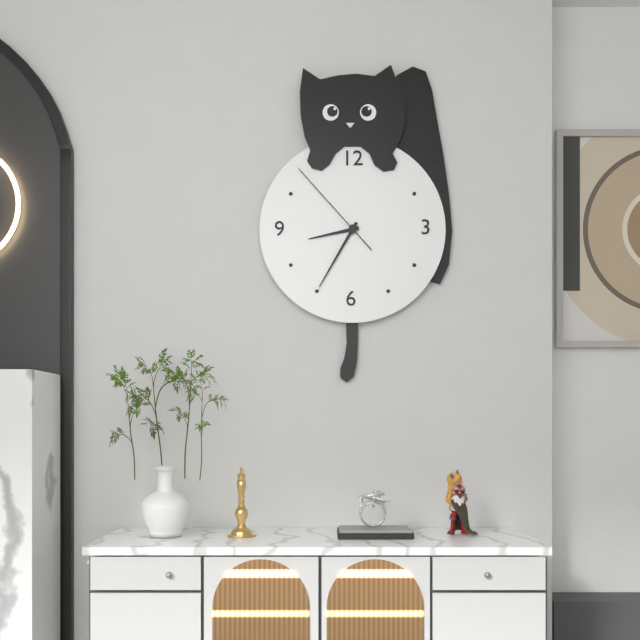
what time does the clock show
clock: 8:35:53
